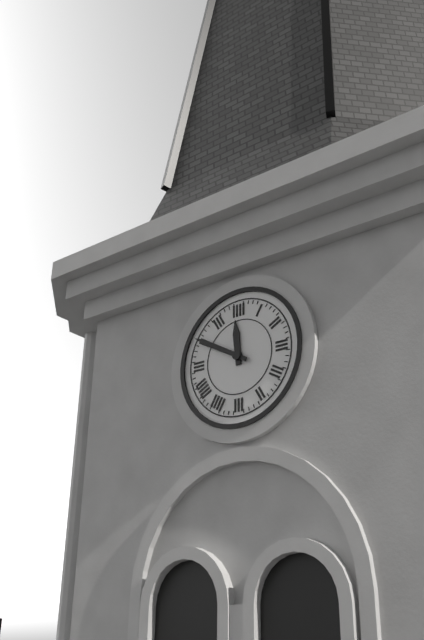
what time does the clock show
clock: 11:50
